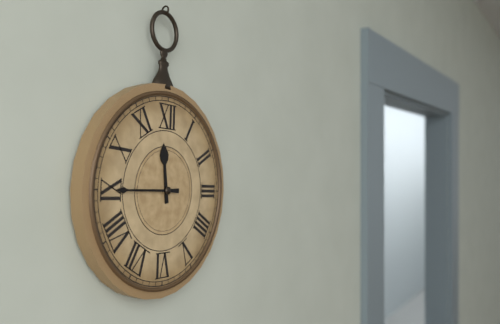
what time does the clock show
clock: 11:45
